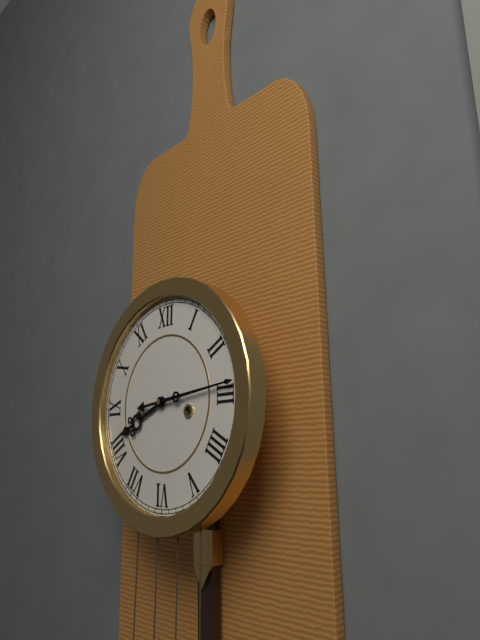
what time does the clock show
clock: 8:14
